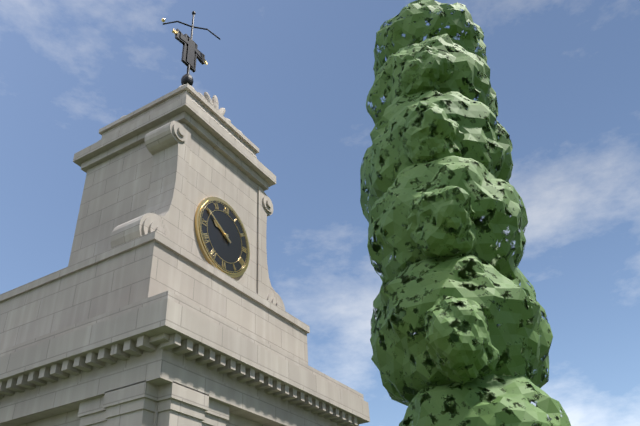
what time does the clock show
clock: 9:50
